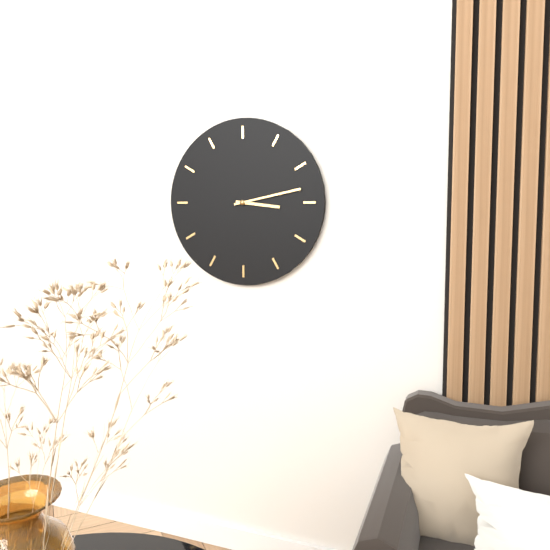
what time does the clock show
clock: 3:13
